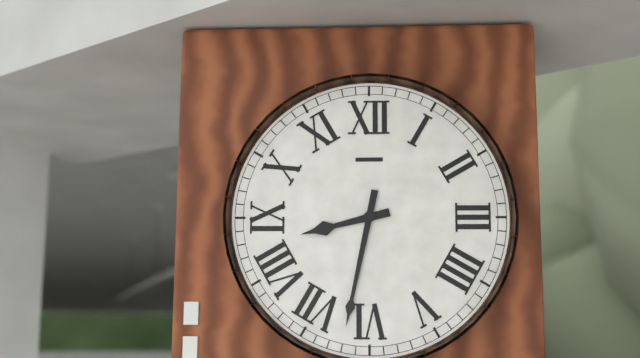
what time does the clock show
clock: 8:32
